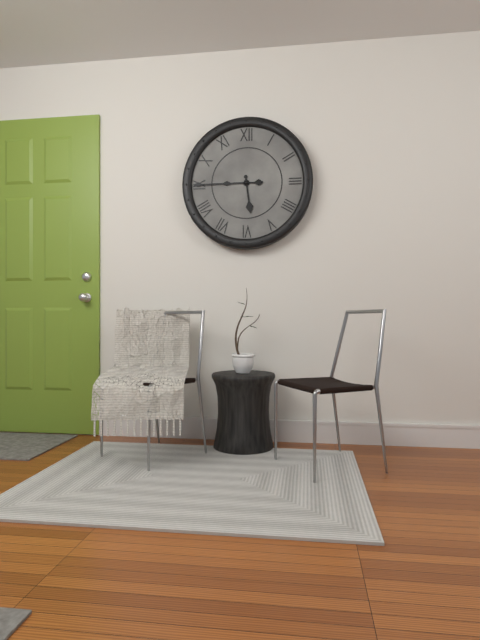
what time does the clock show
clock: 5:45
